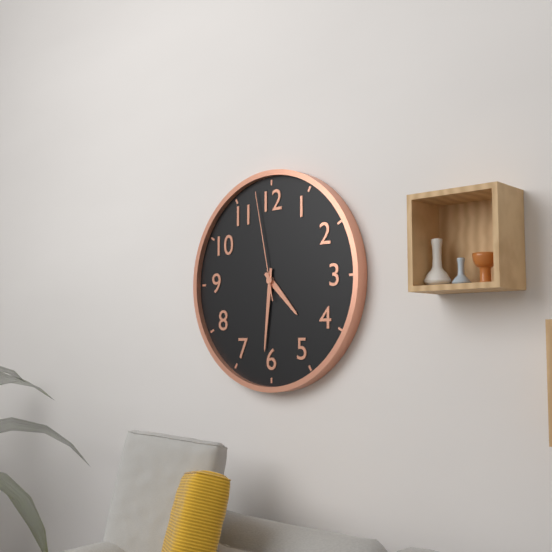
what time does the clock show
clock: 4:31:58
